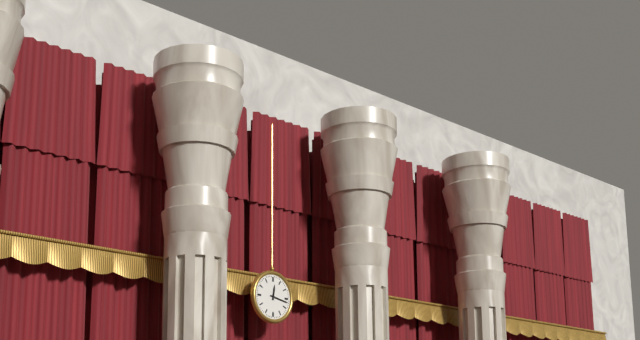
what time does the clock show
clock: 12:17
